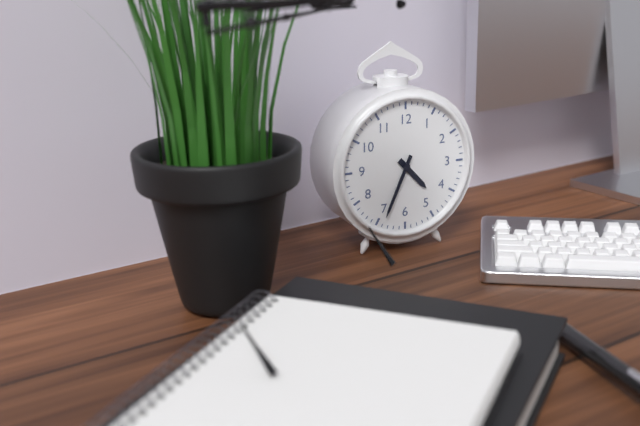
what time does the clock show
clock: 4:34
